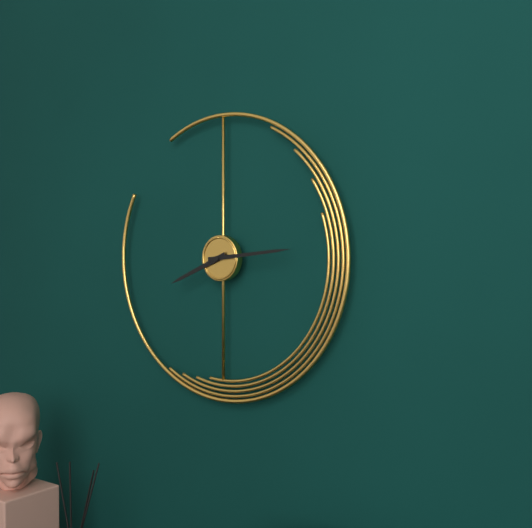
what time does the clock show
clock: 8:14
